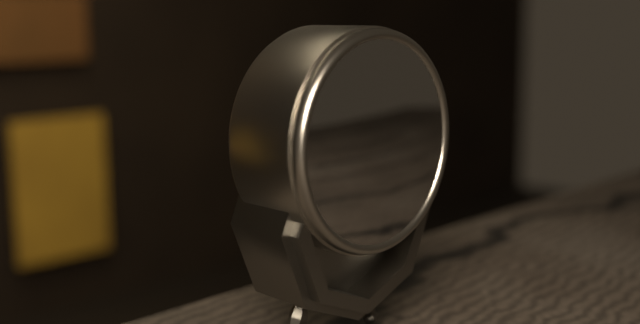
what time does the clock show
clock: 6:53
